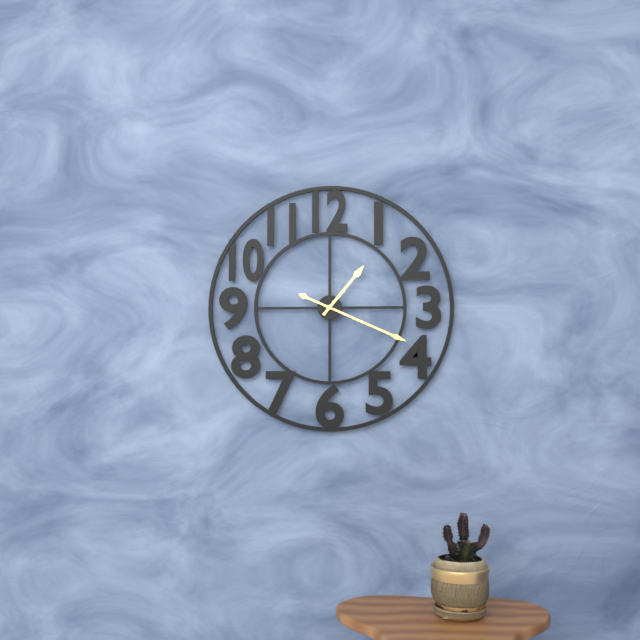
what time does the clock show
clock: 1:19
